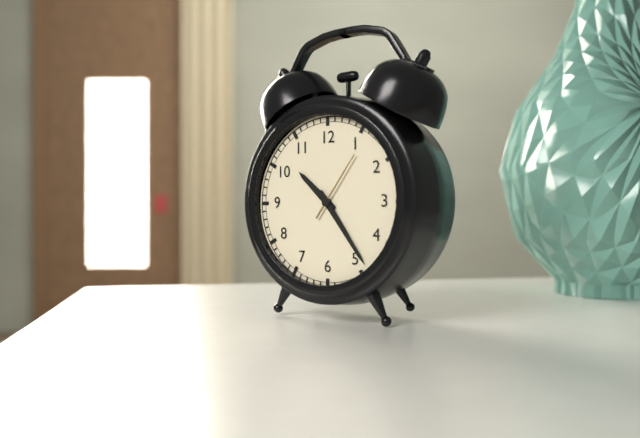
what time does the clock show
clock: 10:24:06
